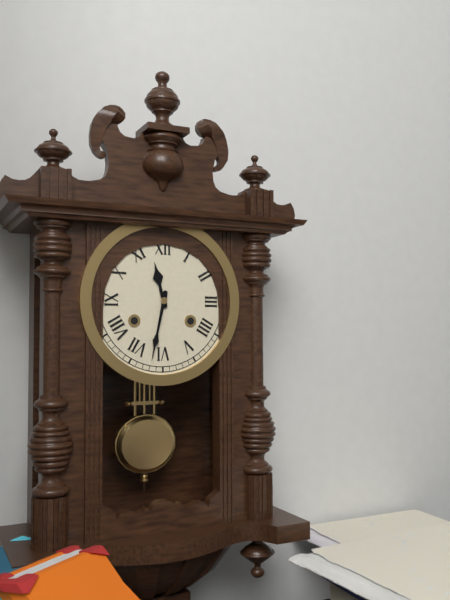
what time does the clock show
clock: 11:32
